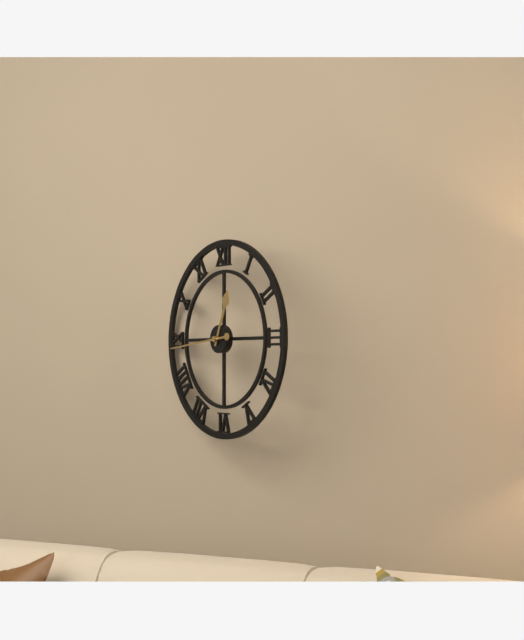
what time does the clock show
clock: 12:44
